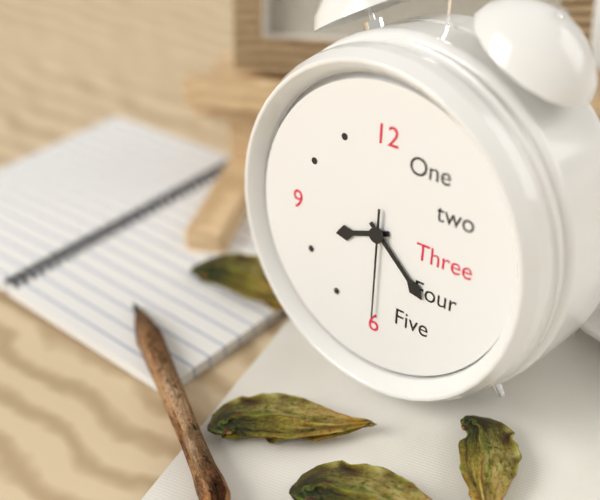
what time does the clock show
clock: 8:22:30
